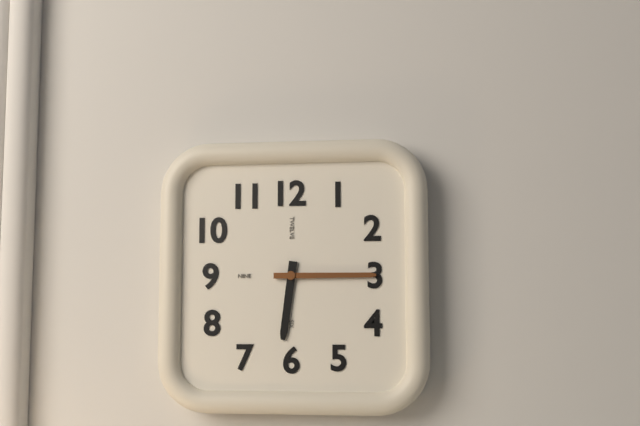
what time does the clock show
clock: 6:15
